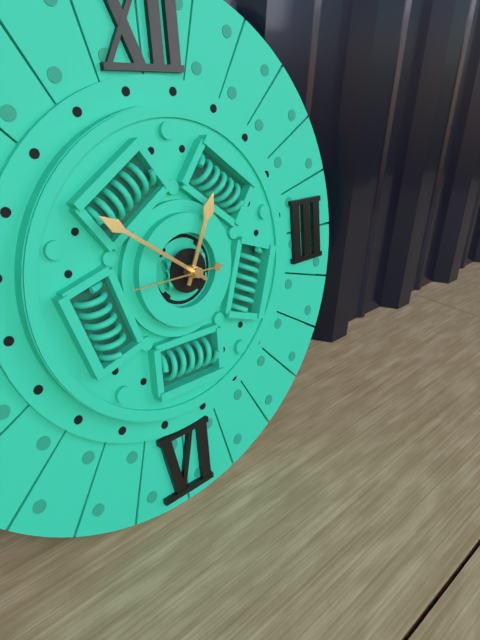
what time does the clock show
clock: 12:51
